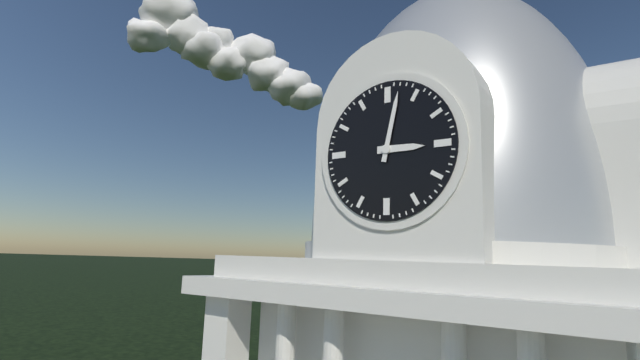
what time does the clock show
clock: 3:02
